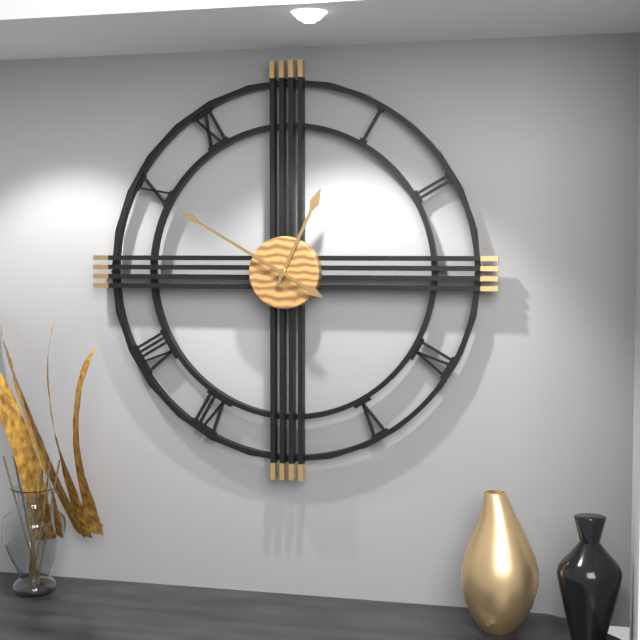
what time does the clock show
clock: 12:50
